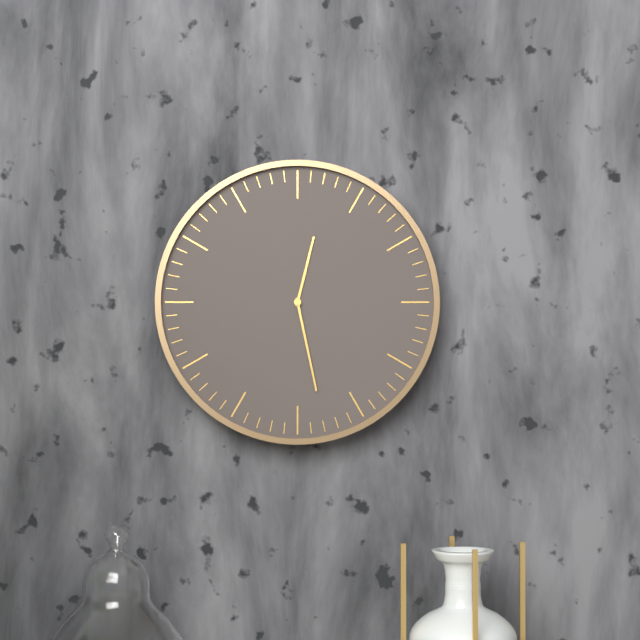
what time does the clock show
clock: 12:28
